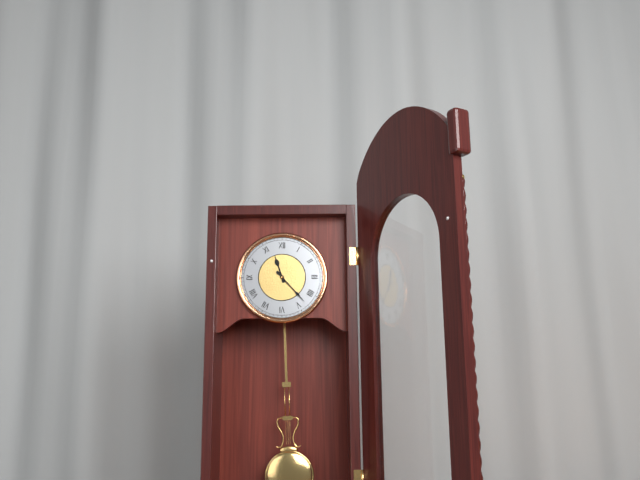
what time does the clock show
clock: 11:23
